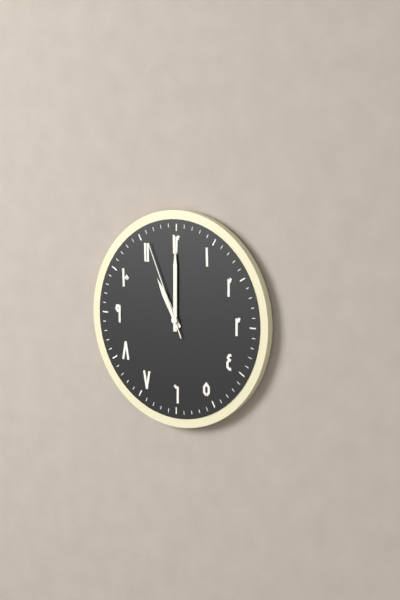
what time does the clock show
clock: 11:00:56
